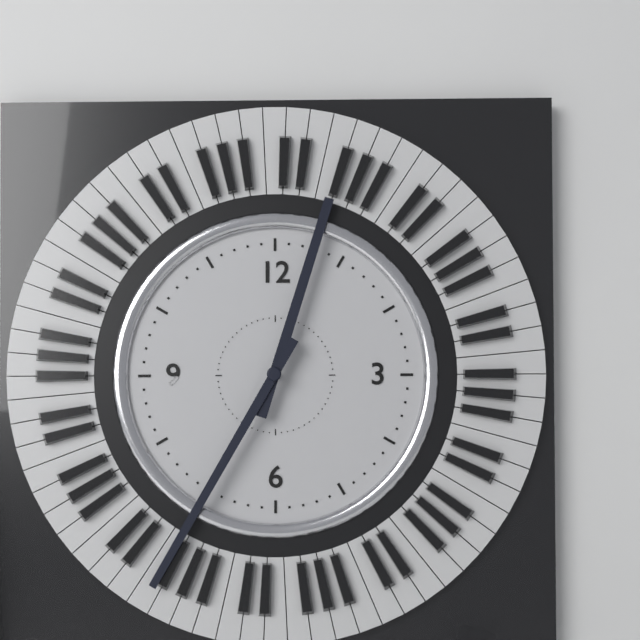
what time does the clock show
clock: 12:35
